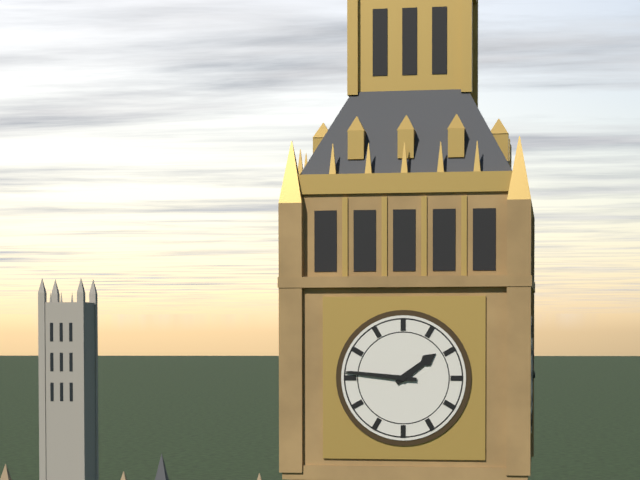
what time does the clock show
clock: 1:46
